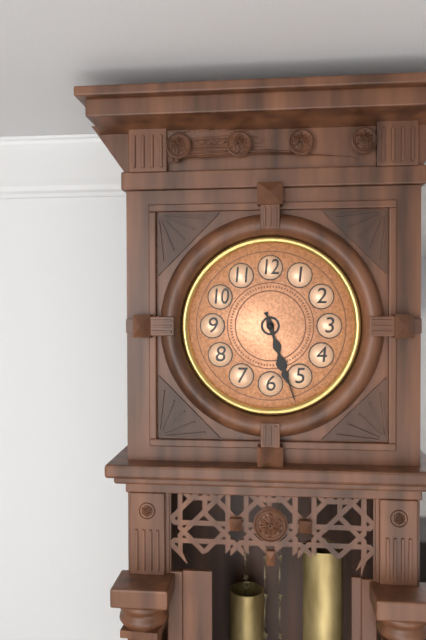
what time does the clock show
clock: 5:27
